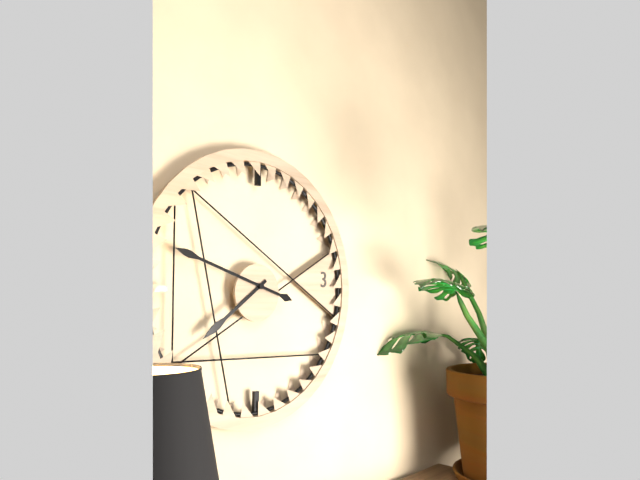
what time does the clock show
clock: 7:48
